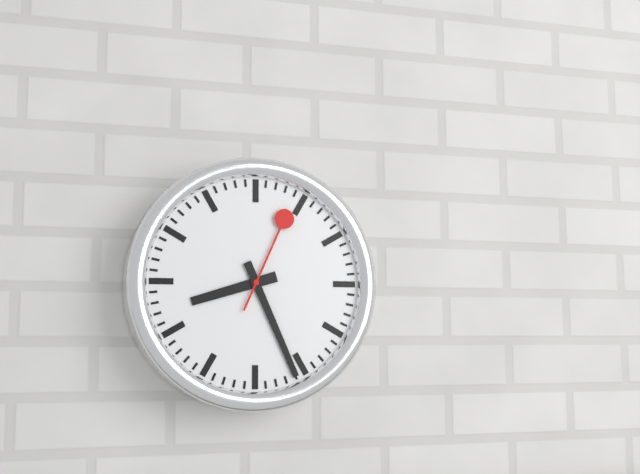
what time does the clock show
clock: 8:26:04
